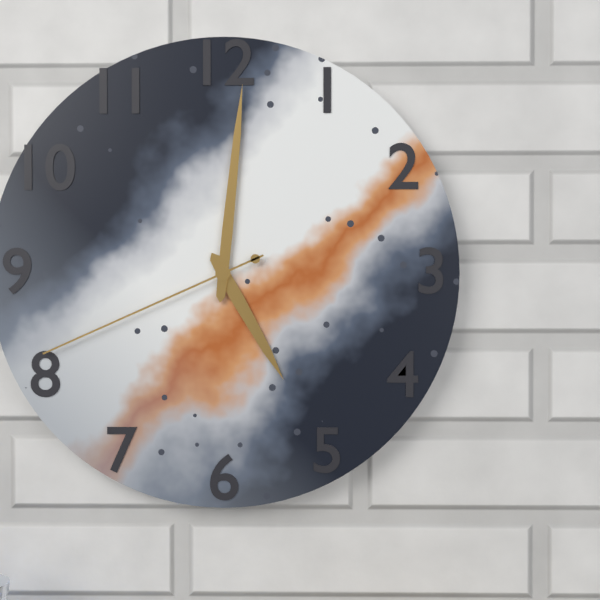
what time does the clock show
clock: 5:01:41
